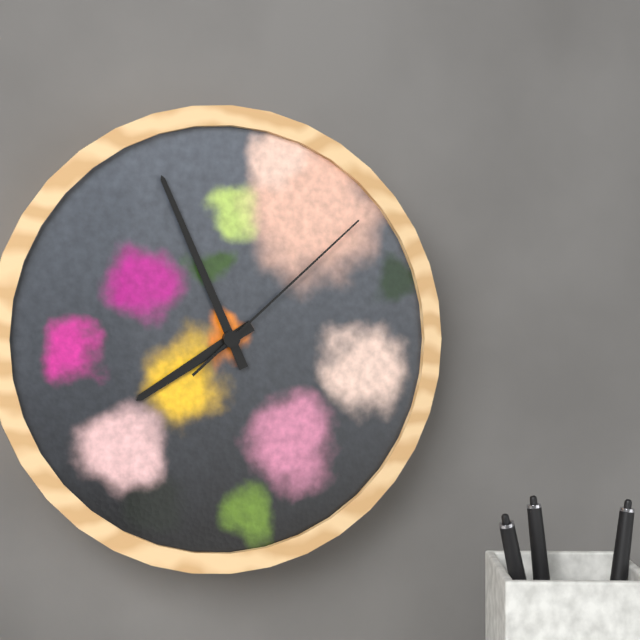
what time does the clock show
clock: 7:56:08
